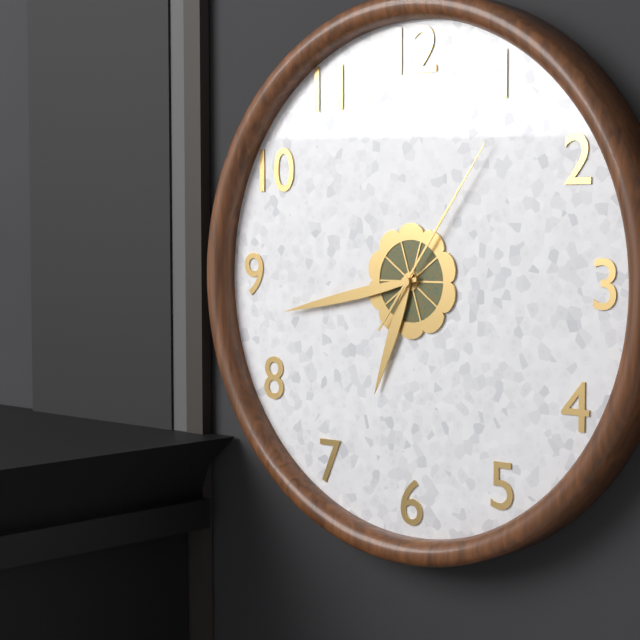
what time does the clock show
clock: 6:43:06
